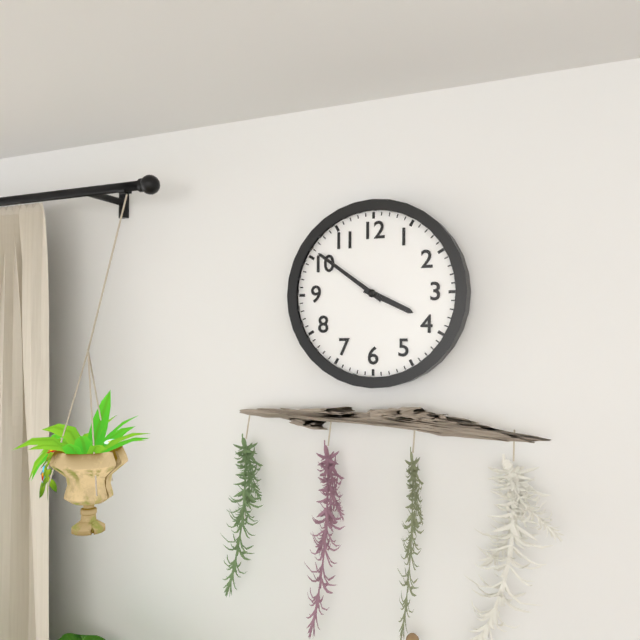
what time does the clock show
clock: 3:51
